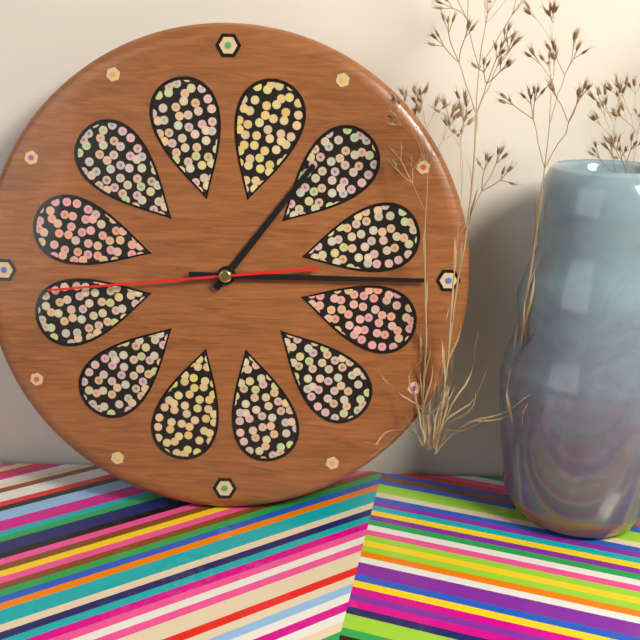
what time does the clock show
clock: 1:15:44
